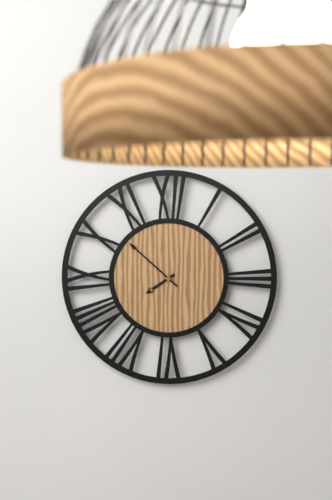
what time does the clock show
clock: 7:52
